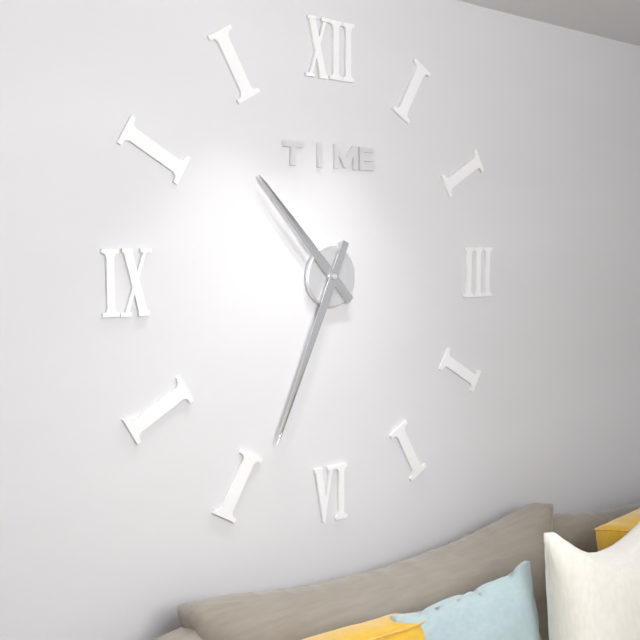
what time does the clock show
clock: 10:34
